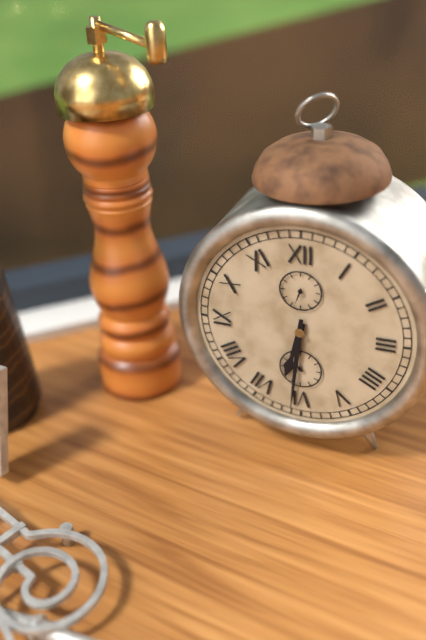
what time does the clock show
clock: 6:31
